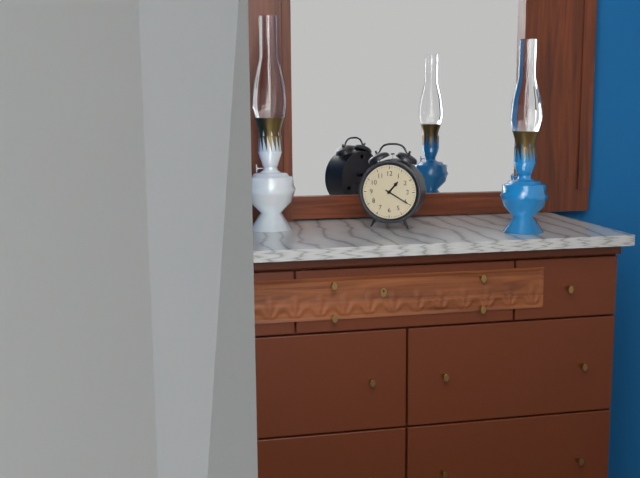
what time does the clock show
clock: 1:20
